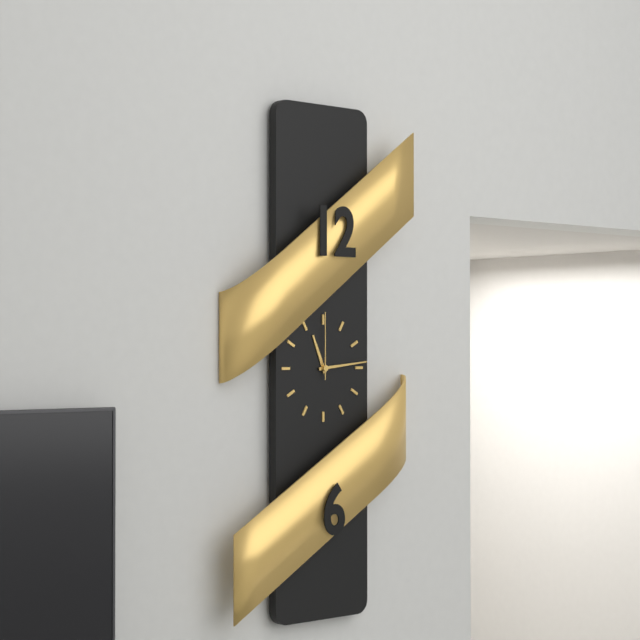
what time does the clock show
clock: 11:14:00
